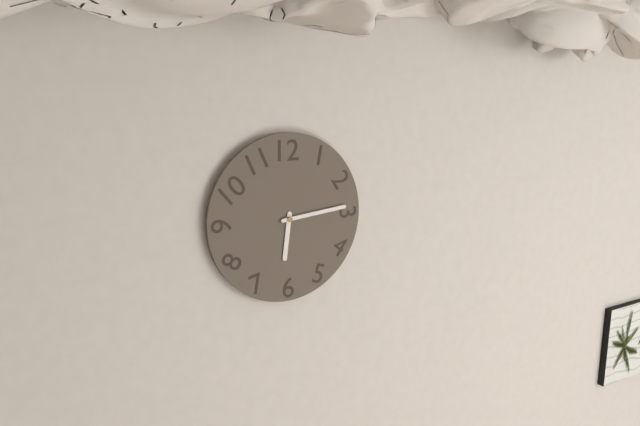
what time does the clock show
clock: 6:14
